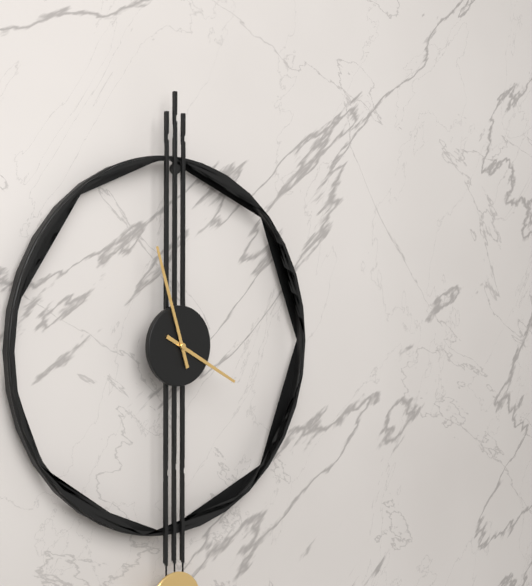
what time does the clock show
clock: 3:57
